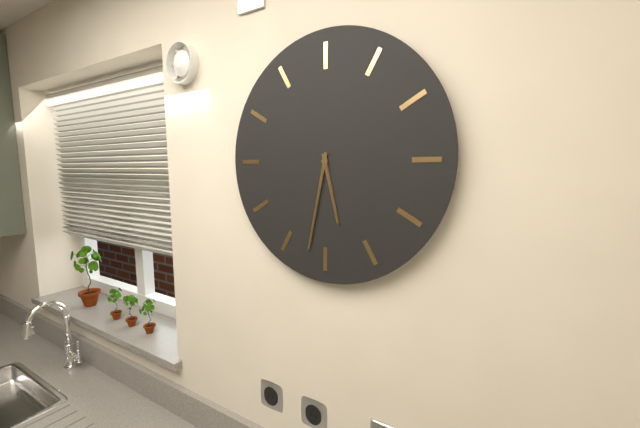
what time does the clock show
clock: 5:32
